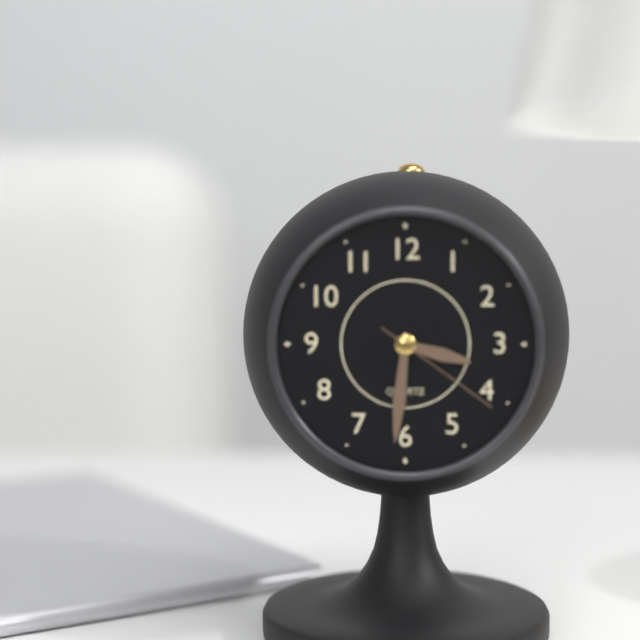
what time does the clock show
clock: 3:31:21
